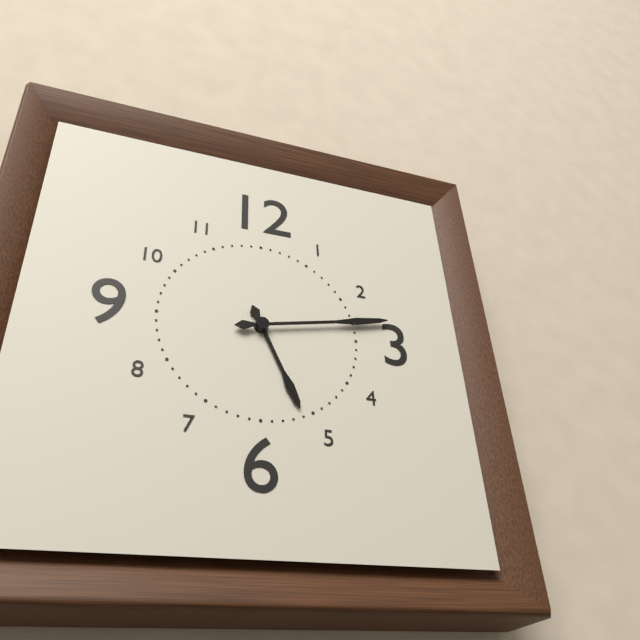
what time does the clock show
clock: 5:13
